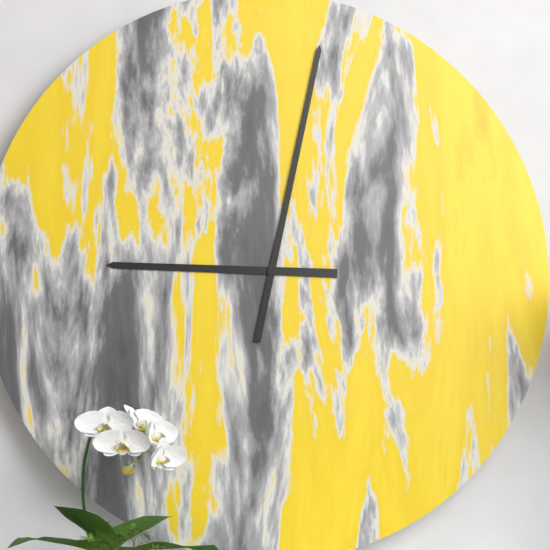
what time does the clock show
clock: 9:02
